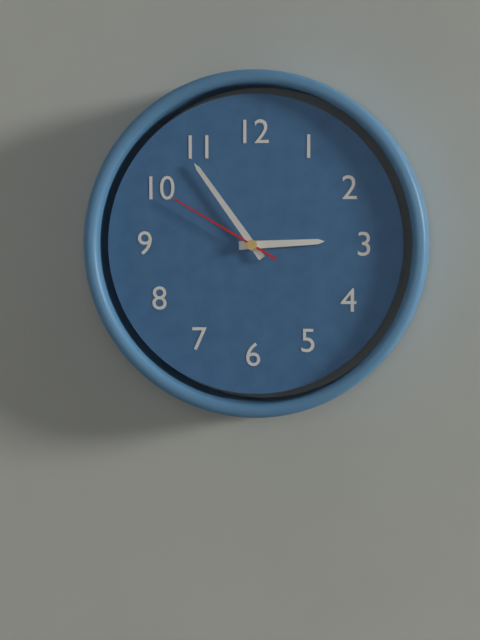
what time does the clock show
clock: 2:54:50
